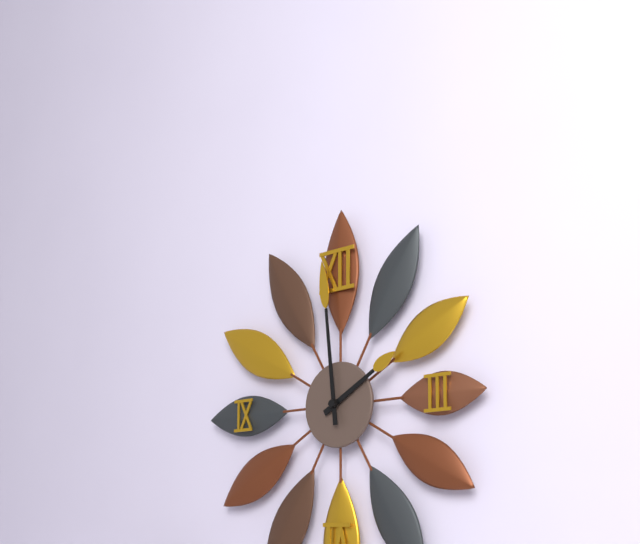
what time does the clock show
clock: 1:59
